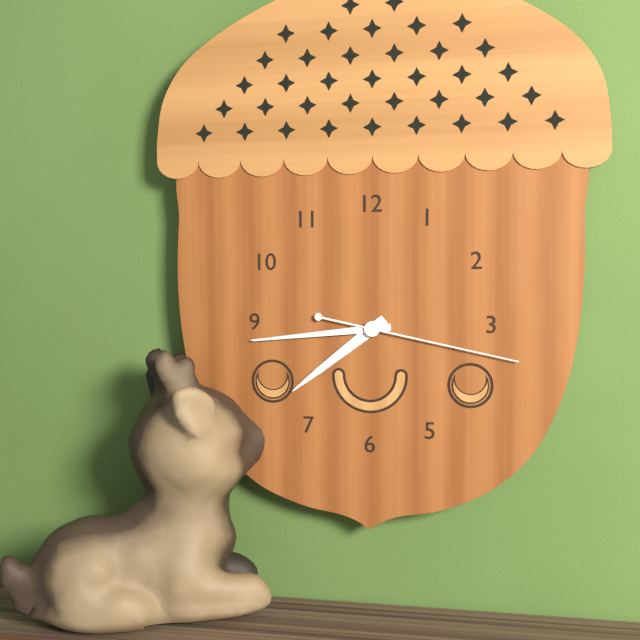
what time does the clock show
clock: 7:44:17
